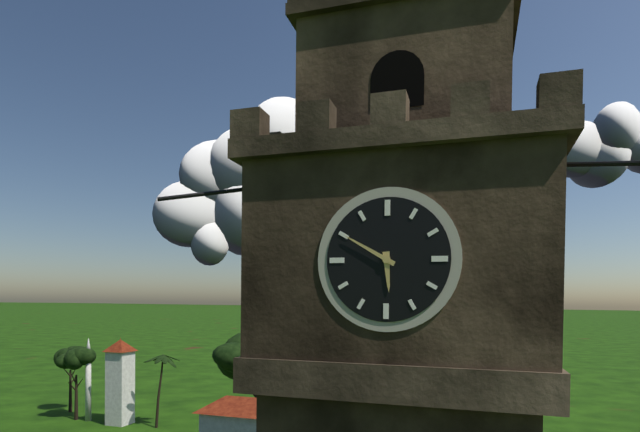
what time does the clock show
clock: 5:50
